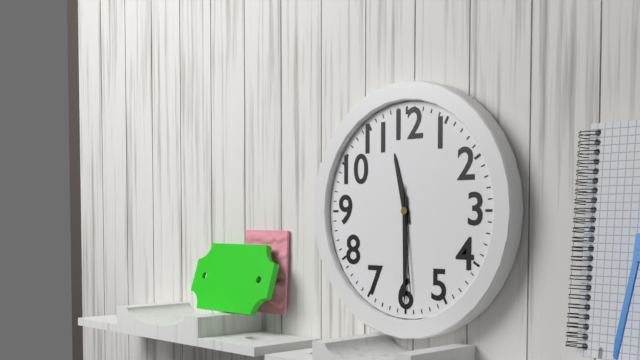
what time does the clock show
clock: 11:30:29
